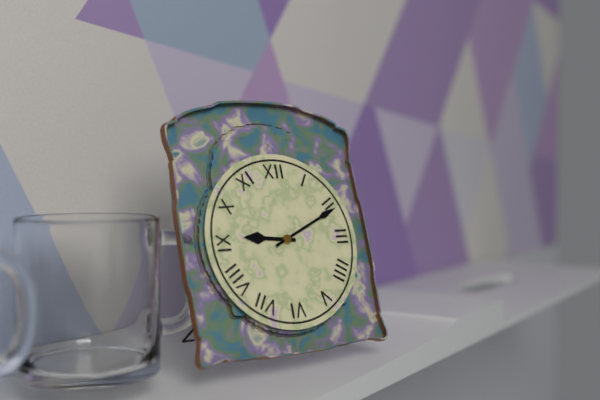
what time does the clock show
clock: 9:11
